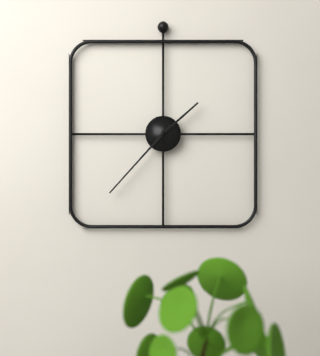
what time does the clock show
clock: 1:37
